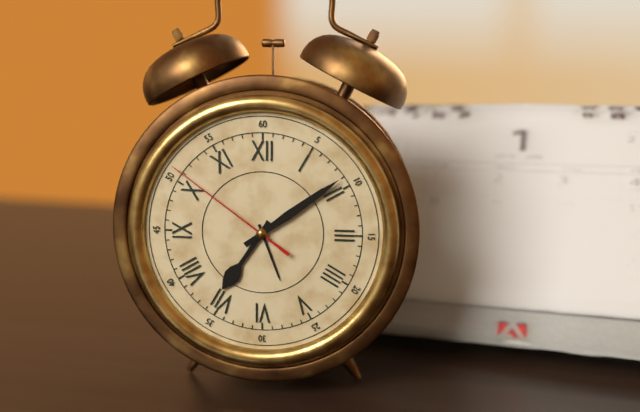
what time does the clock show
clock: 7:09:51
